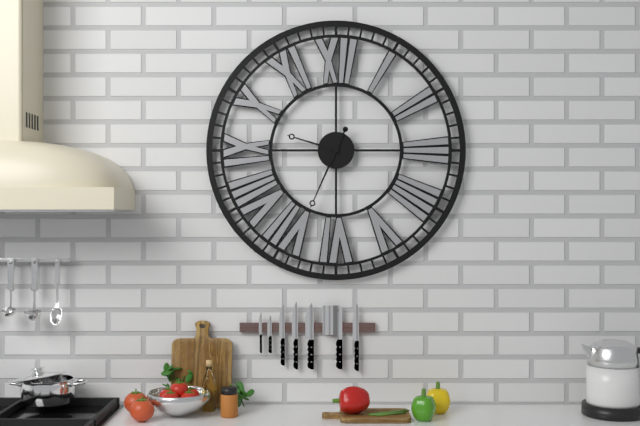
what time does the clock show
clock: 9:34
